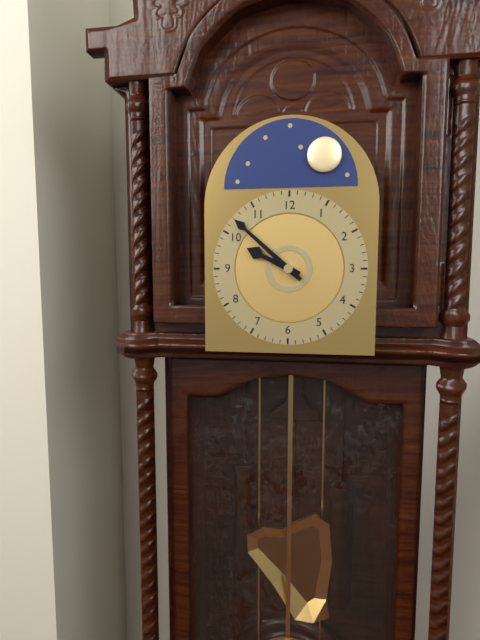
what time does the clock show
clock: 9:52
